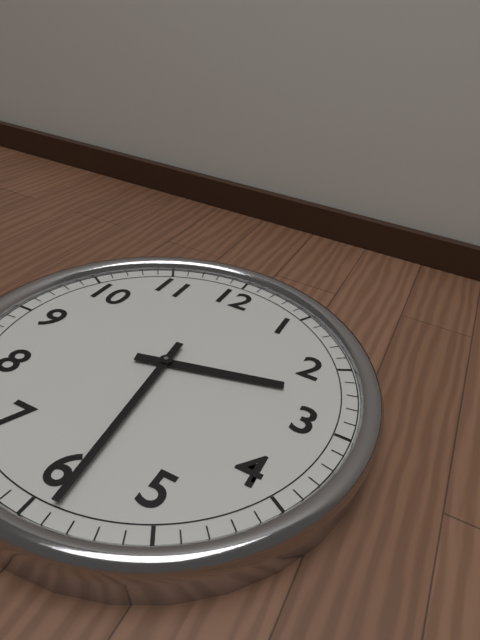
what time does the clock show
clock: 2:29
